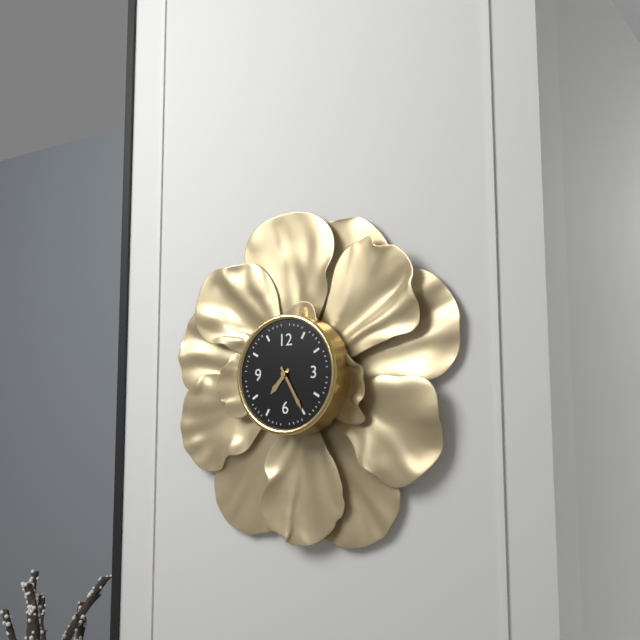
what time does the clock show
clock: 7:25
